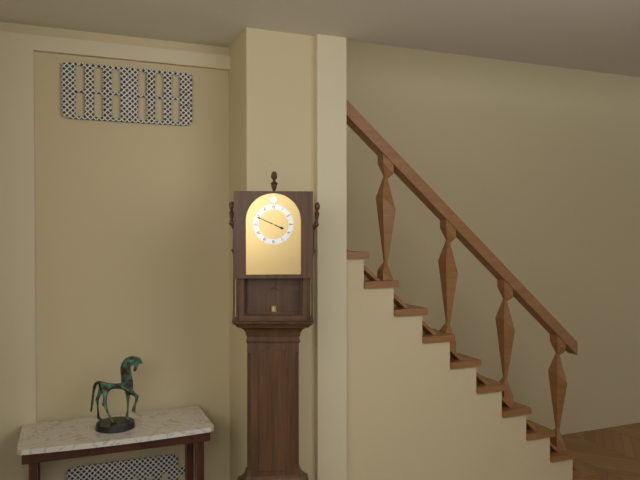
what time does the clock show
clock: 3:49
